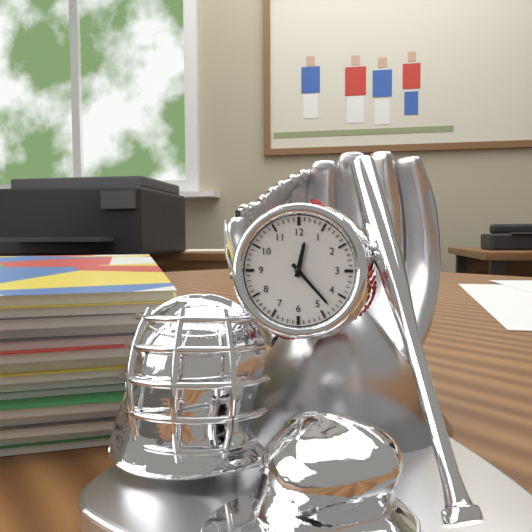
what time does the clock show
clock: 12:23
